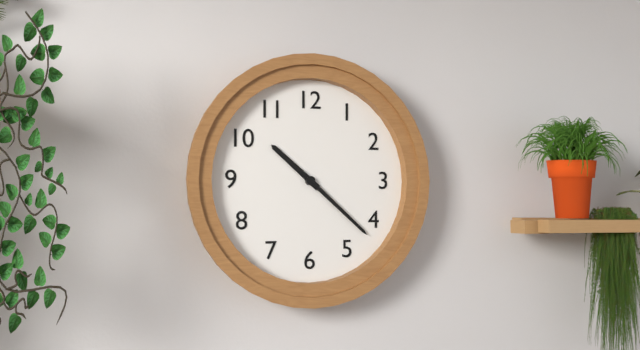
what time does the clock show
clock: 10:22
